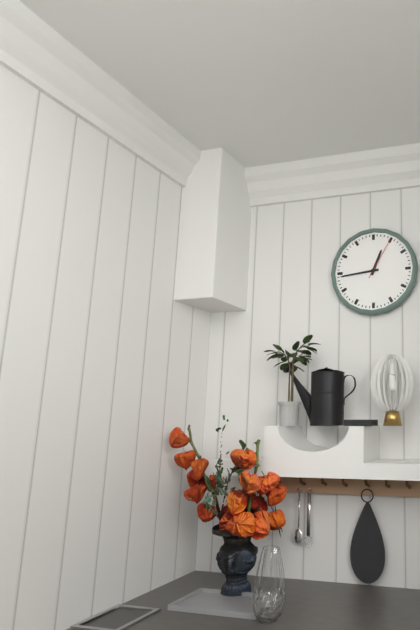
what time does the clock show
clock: 12:44
